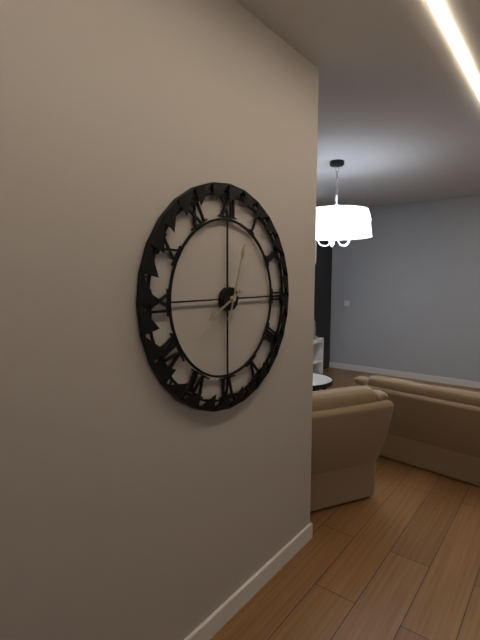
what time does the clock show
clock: 8:03
